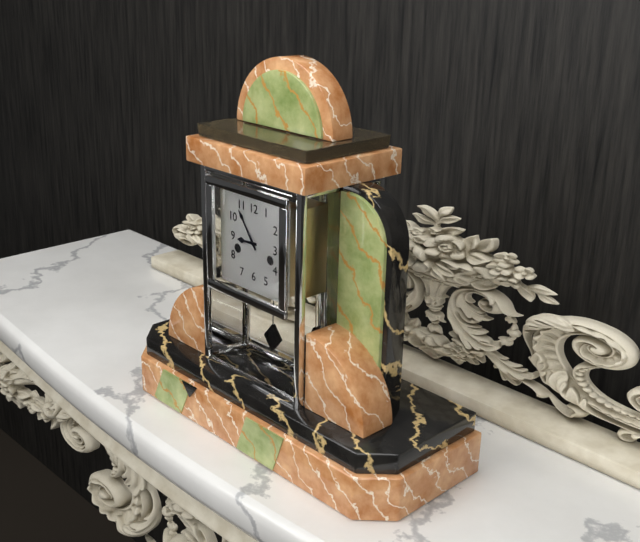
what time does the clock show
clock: 8:54
